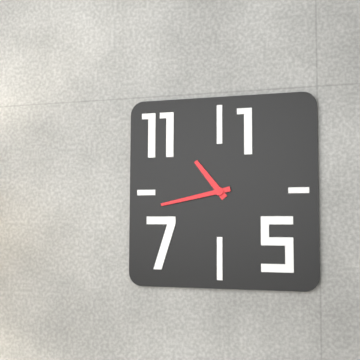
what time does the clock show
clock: 10:43
